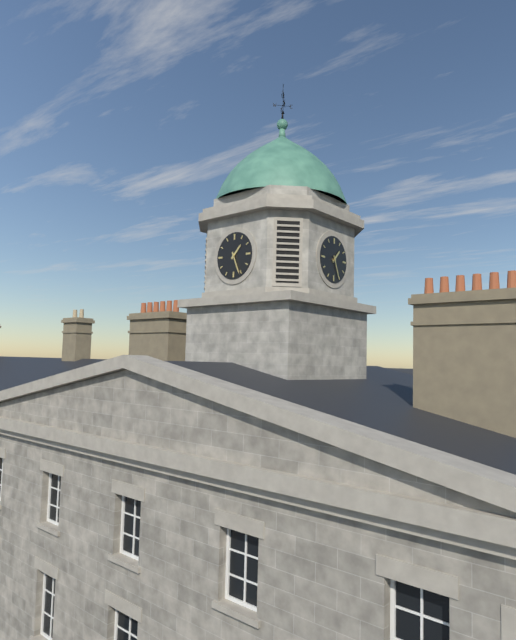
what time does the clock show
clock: 1:26
